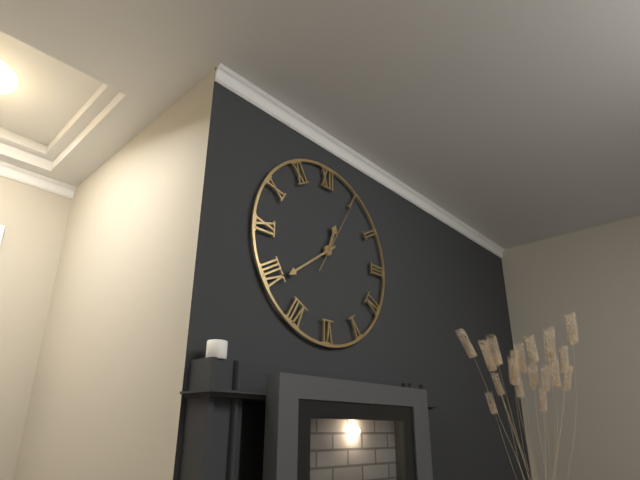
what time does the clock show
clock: 12:39:05
